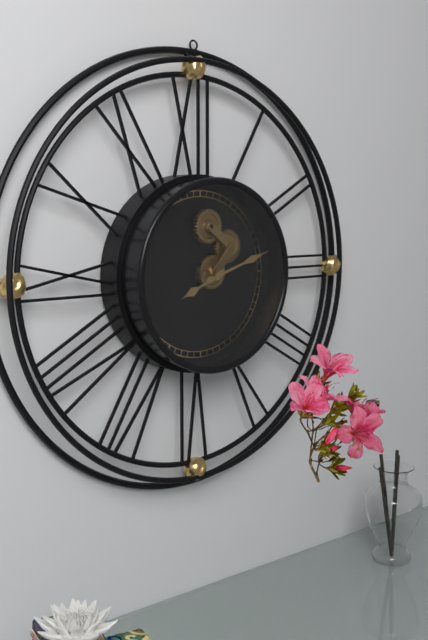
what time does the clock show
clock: 8:12
